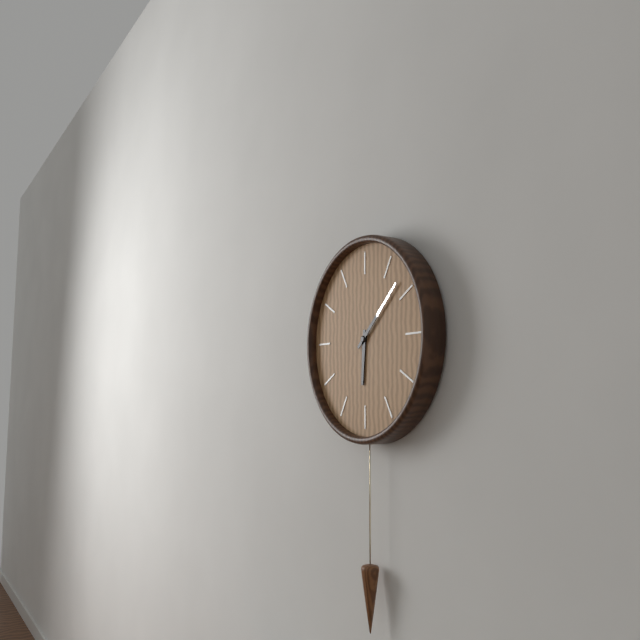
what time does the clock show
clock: 6:08
